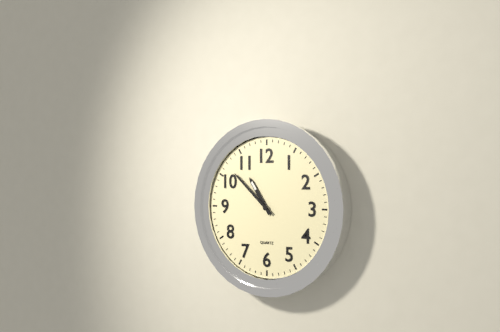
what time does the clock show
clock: 10:52
